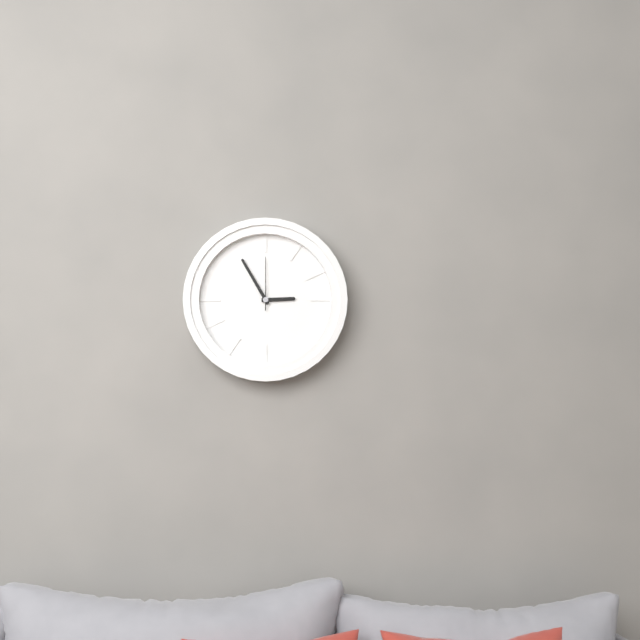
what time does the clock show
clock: 2:55:00
